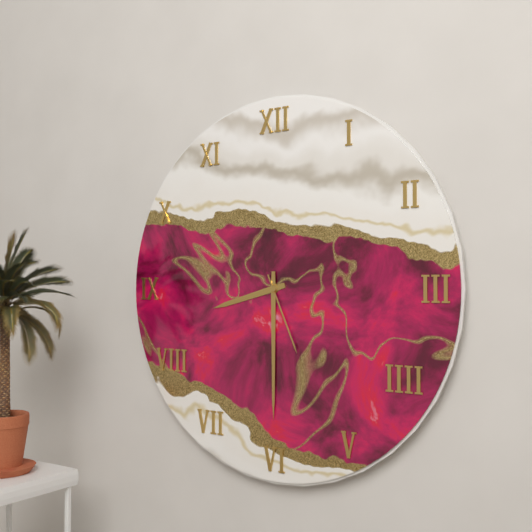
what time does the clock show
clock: 8:30:26
